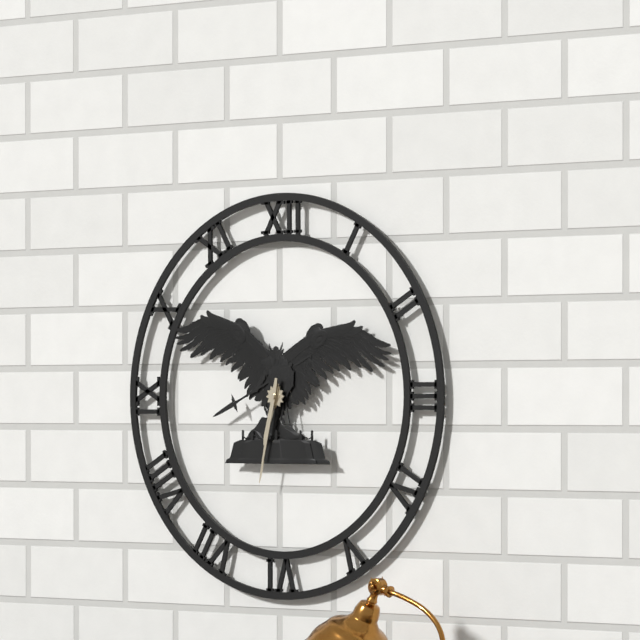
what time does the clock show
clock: 6:32
